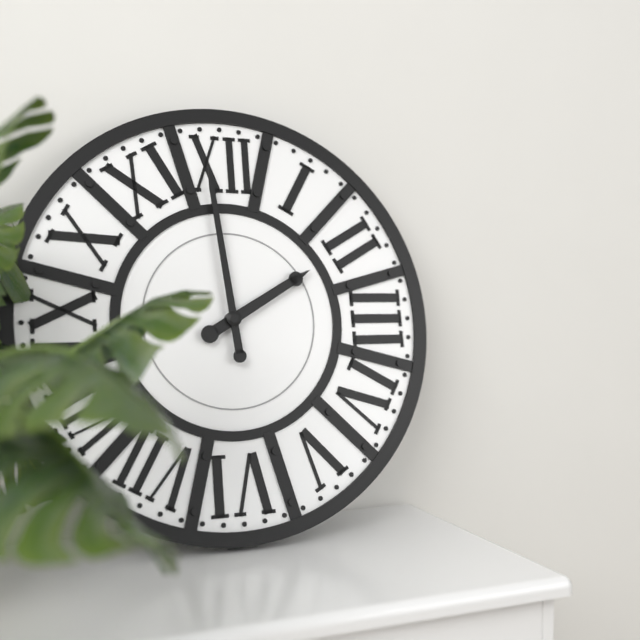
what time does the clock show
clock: 1:59
